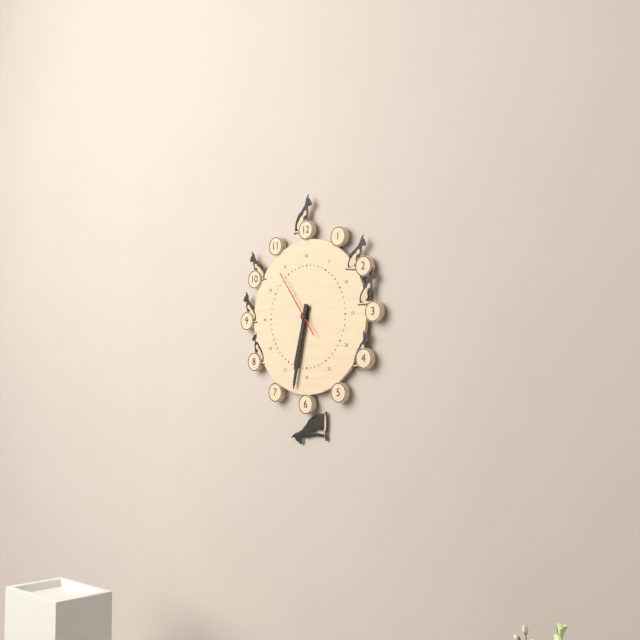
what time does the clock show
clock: 6:32:54
